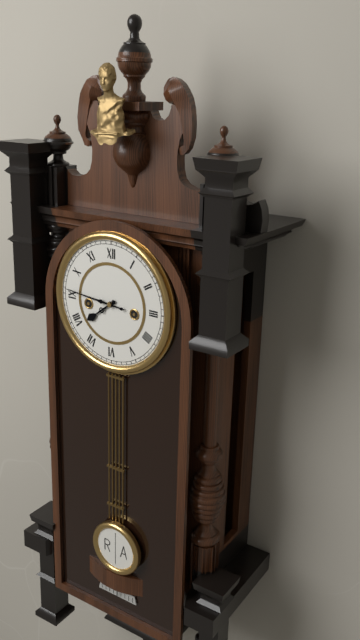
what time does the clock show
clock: 7:46
